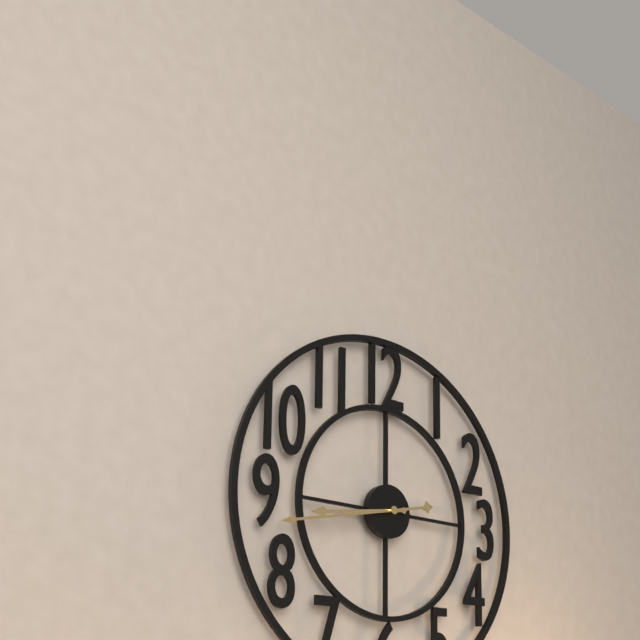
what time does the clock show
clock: 8:43
